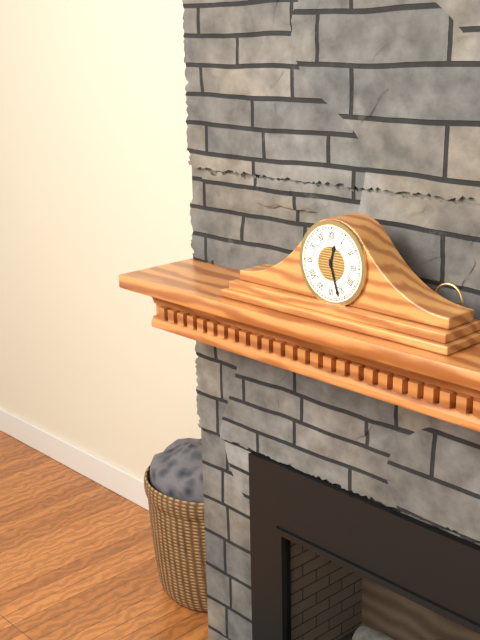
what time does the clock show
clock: 12:27
